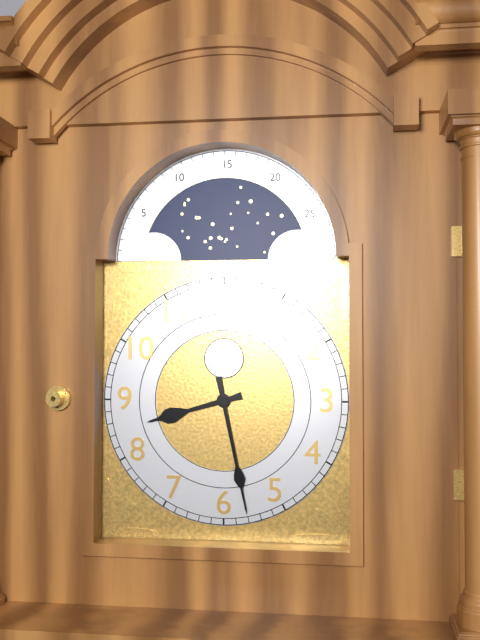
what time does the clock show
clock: 8:28
